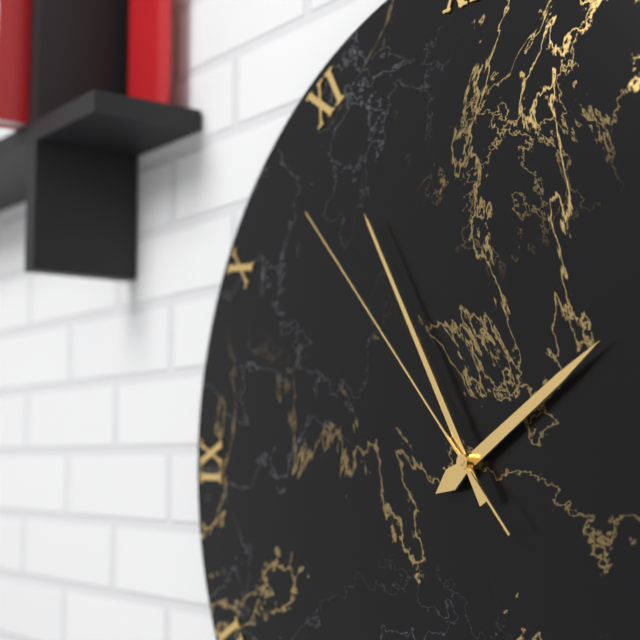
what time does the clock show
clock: 1:55:53
